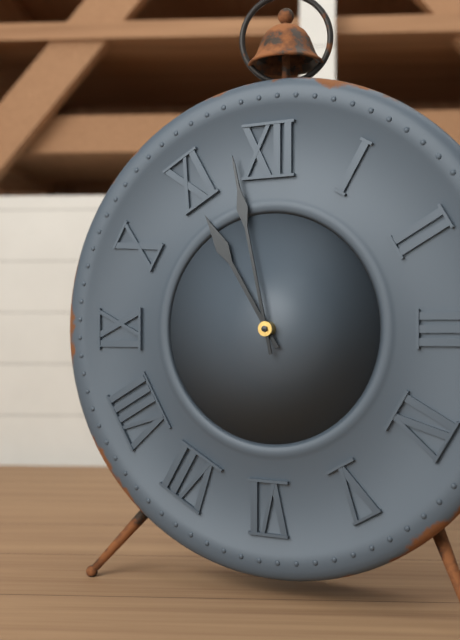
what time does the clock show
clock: 10:58
